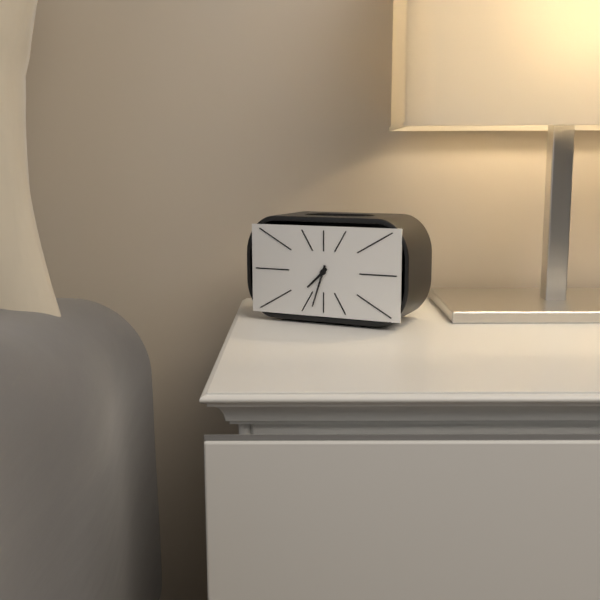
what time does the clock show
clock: 7:33
